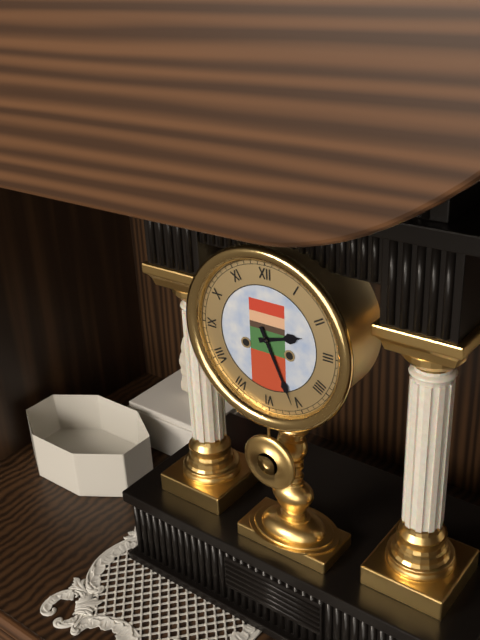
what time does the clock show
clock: 2:26
